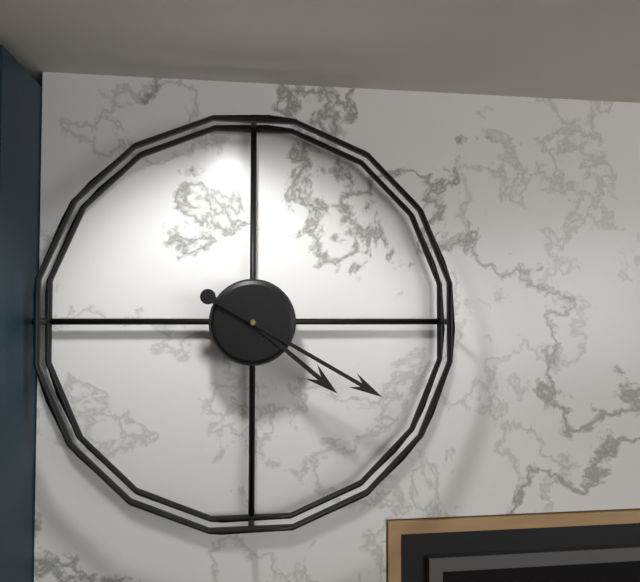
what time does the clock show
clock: 4:20
